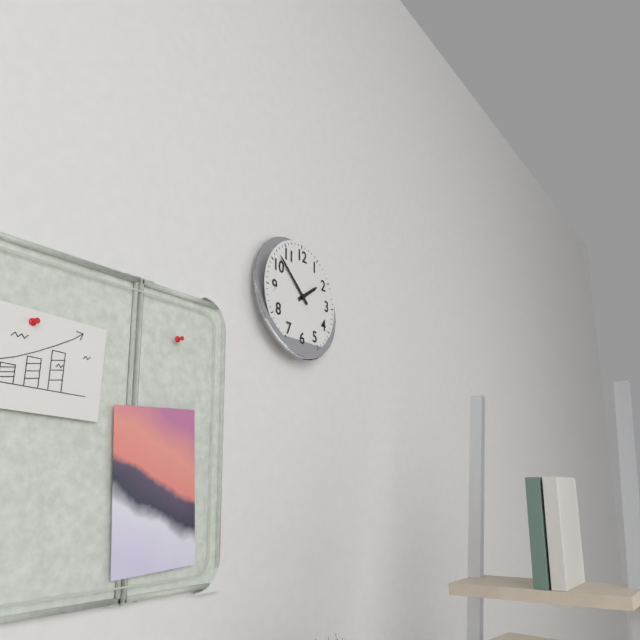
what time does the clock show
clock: 1:52
